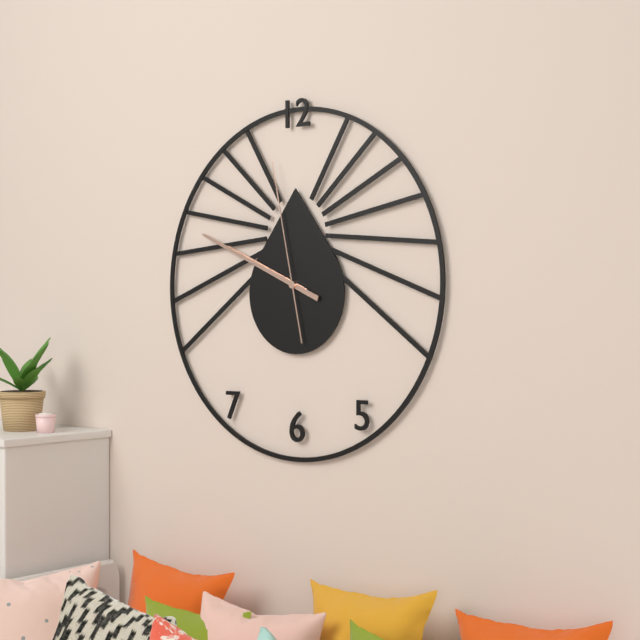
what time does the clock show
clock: 9:49:58
